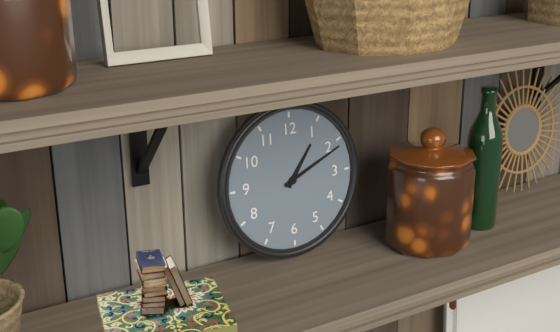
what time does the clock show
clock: 1:11
